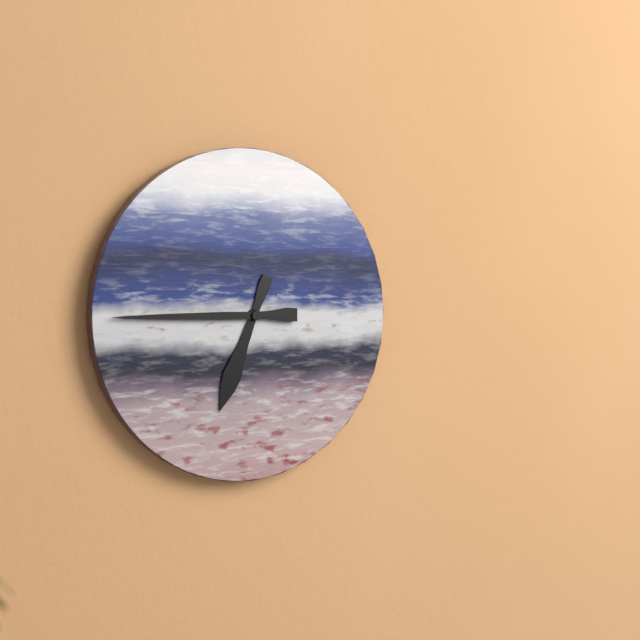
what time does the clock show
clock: 6:45
